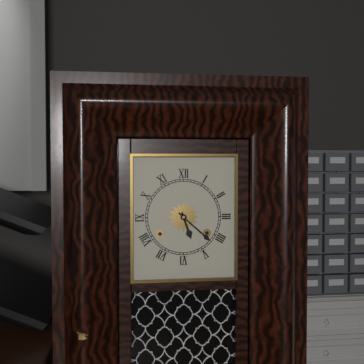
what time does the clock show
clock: 5:22
